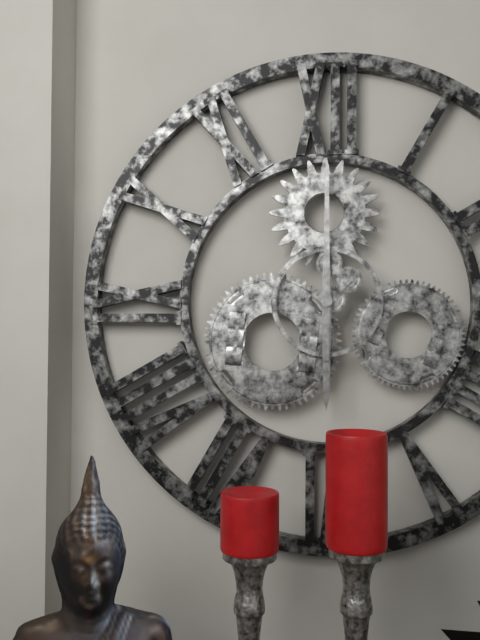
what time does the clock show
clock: 6:00
